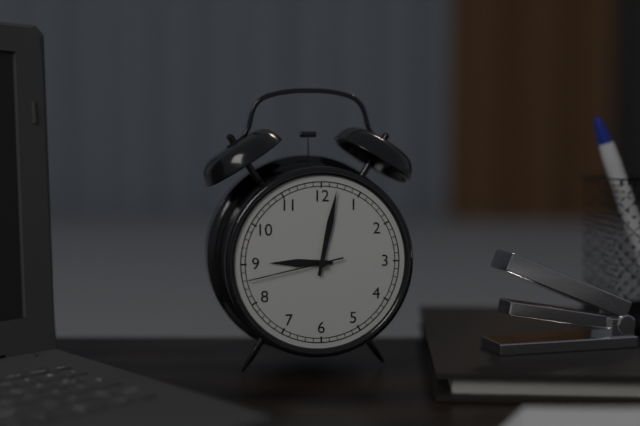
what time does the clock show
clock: 9:02:43
